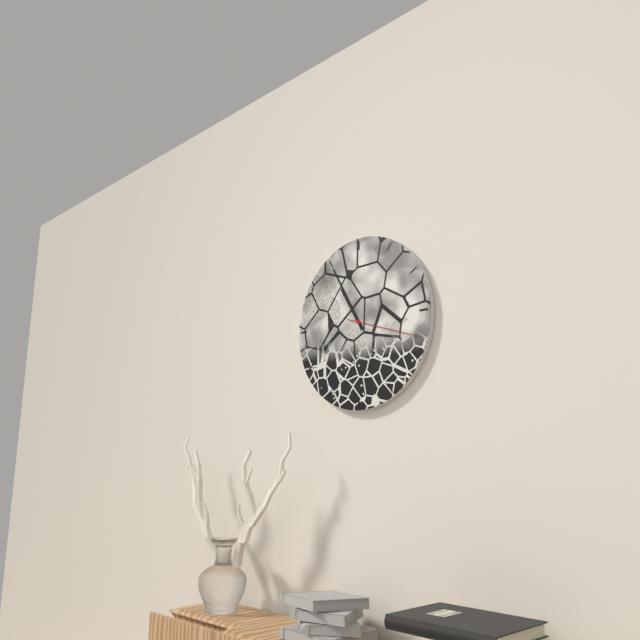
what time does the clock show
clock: 10:55:18
